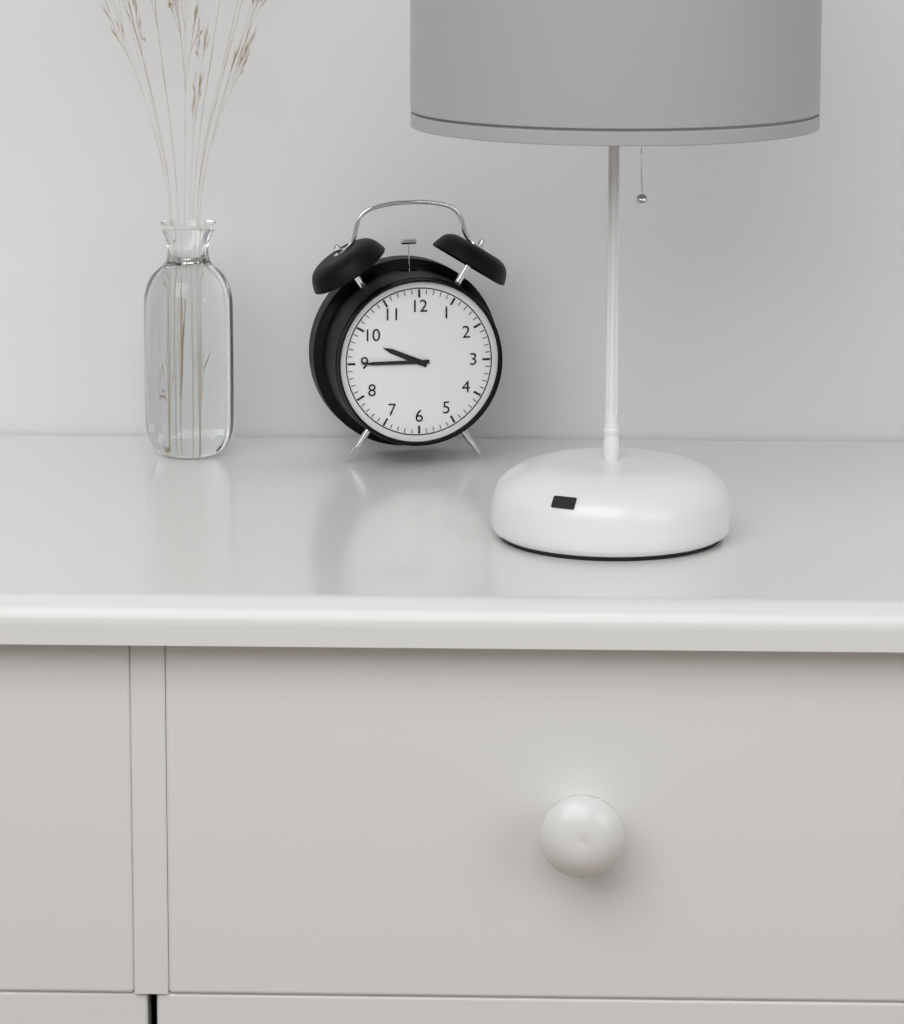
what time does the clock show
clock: 9:45
